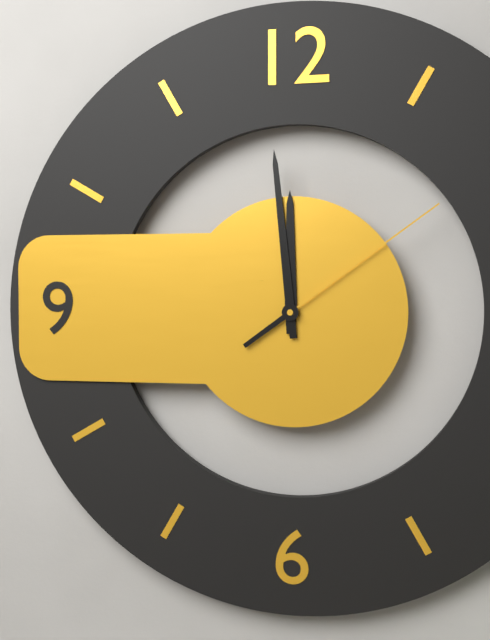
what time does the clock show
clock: 11:59:09
